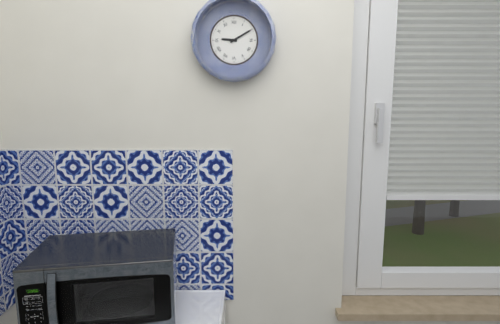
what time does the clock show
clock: 9:10
